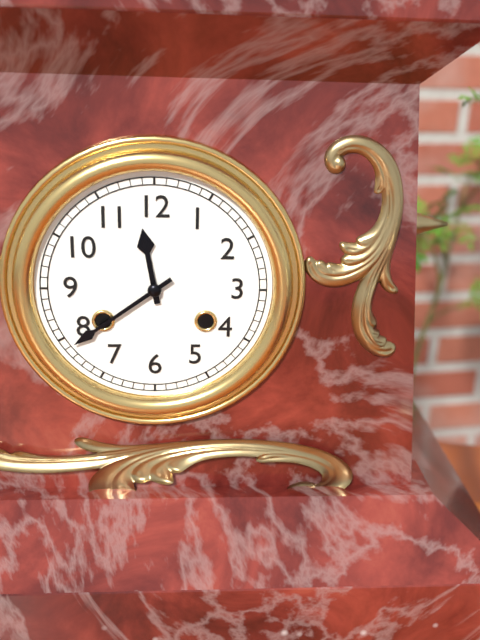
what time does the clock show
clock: 11:39
